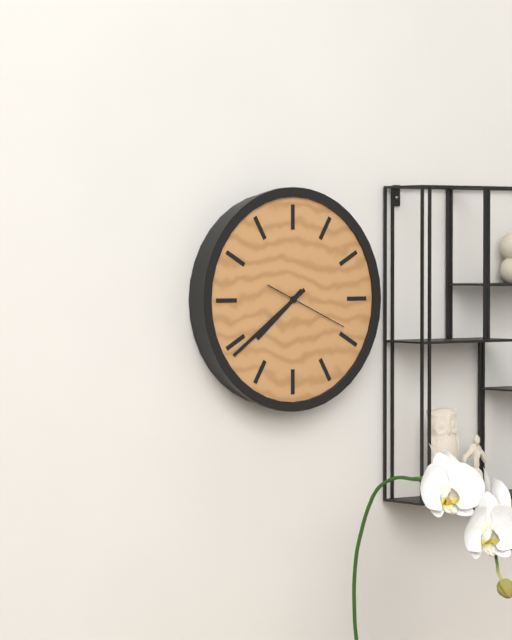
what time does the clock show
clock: 7:39:19
